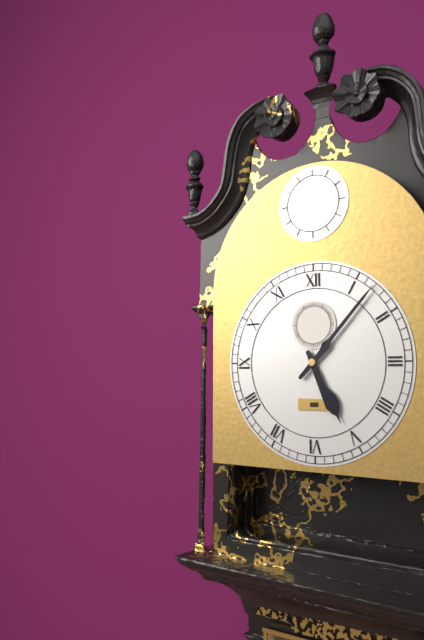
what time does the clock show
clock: 5:07
